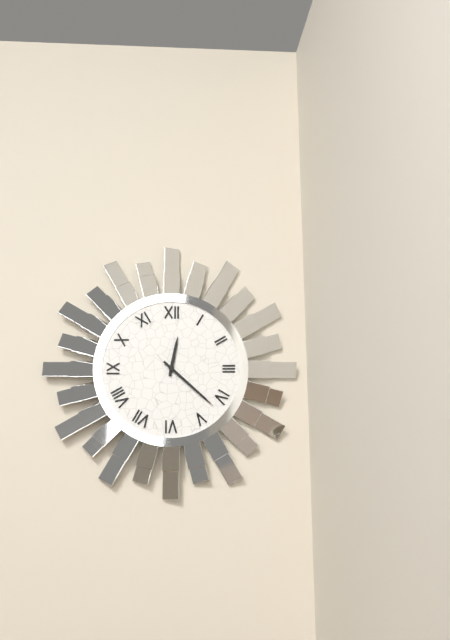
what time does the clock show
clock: 12:22
